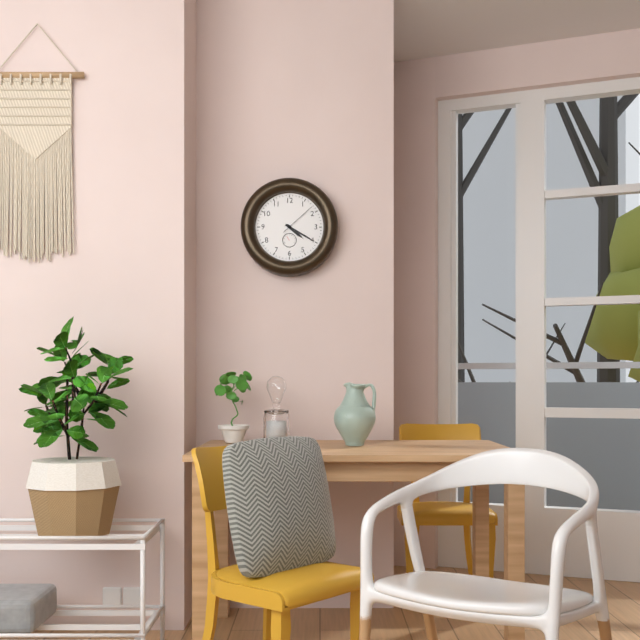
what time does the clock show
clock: 4:20
